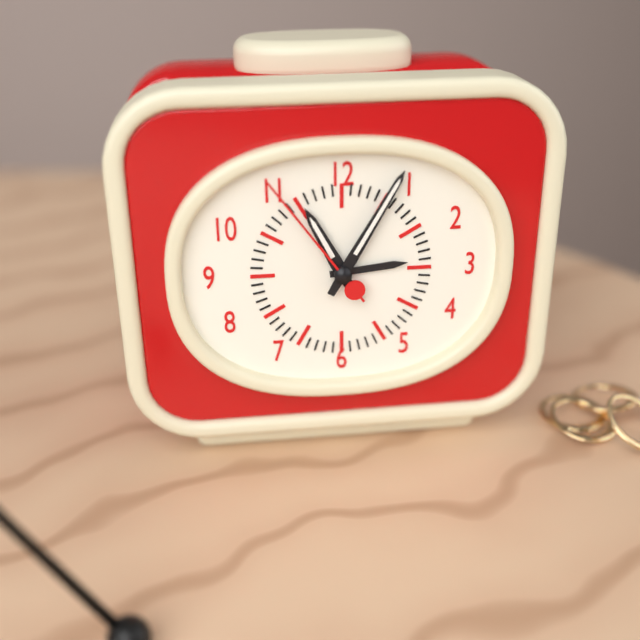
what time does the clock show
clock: 11:05:54
